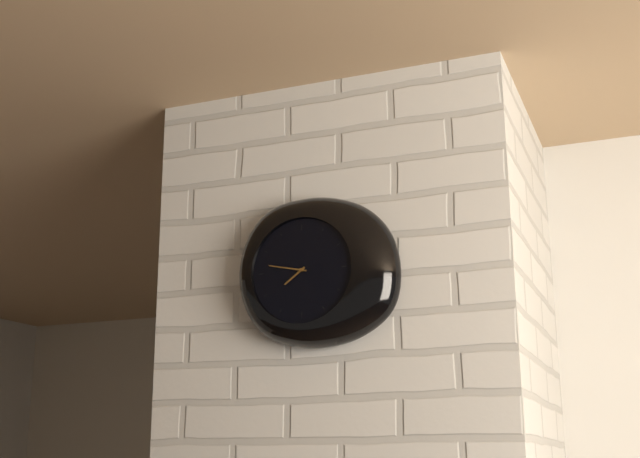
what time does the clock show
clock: 7:47
